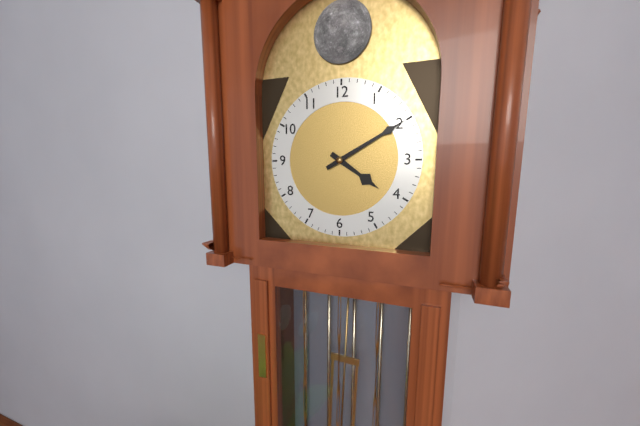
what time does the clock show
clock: 4:10
